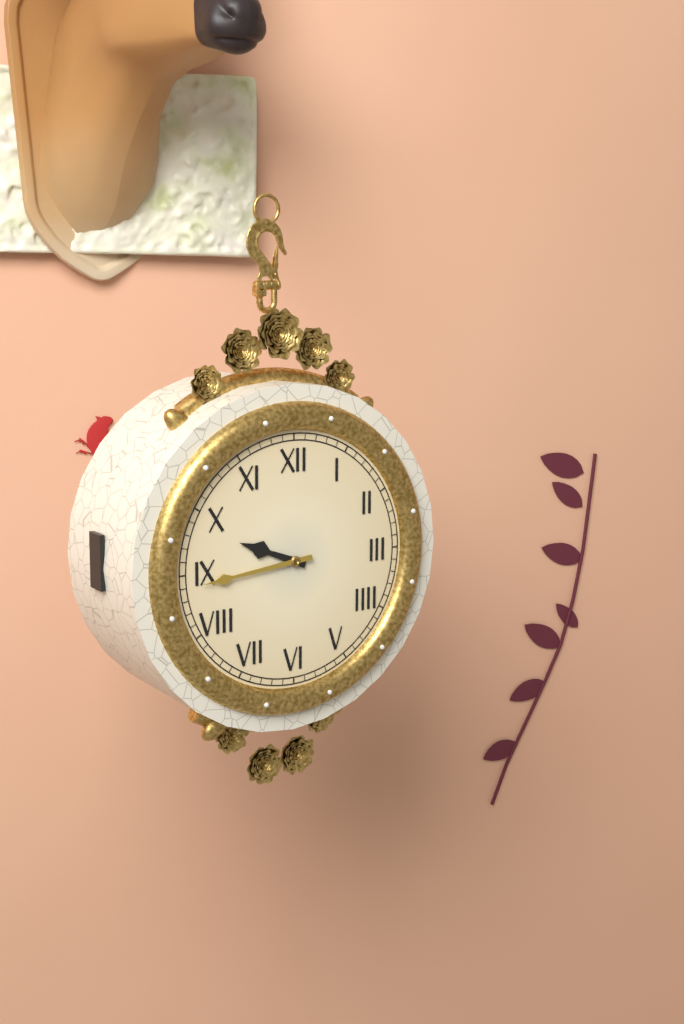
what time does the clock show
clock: 9:44
